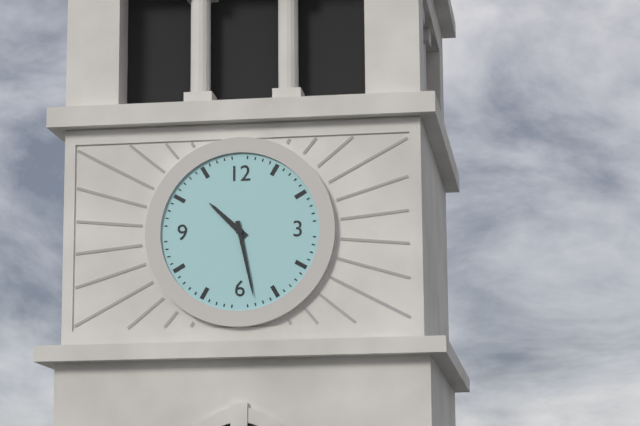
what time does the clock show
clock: 10:28
